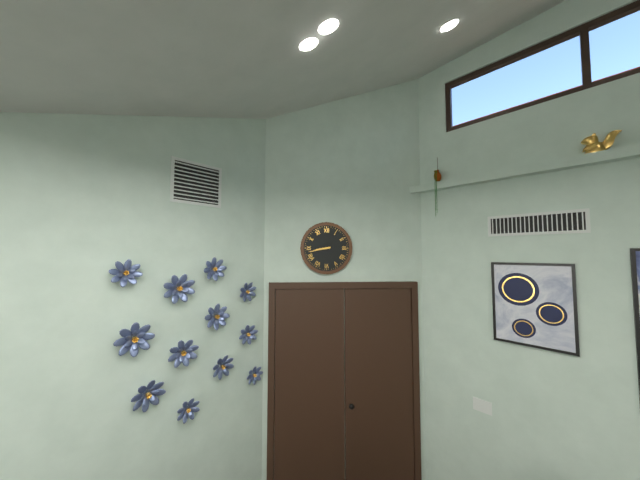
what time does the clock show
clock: 8:43
